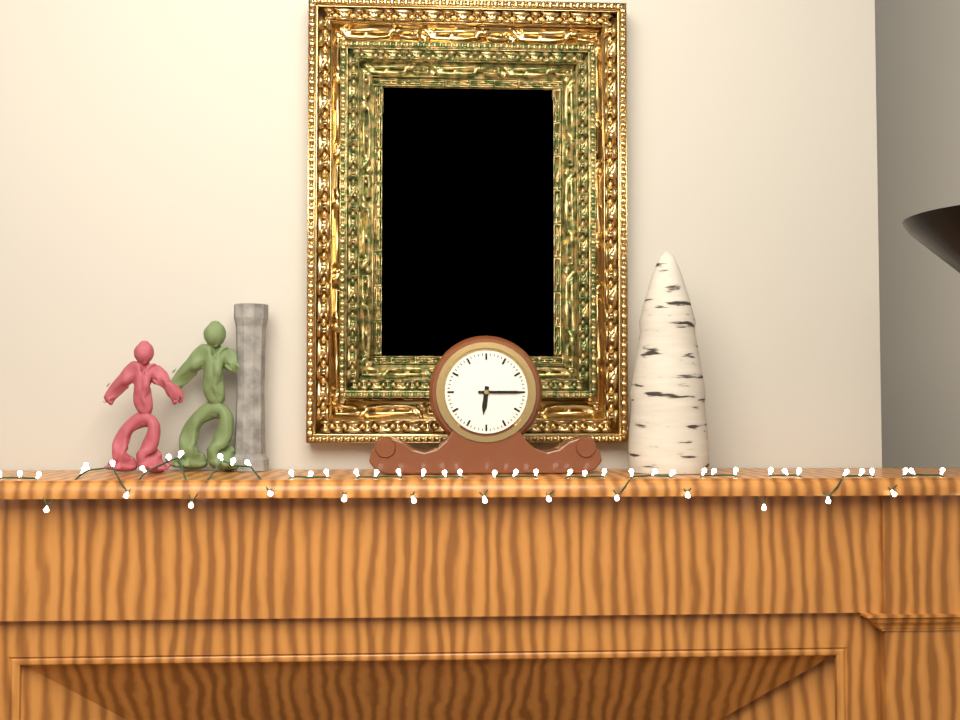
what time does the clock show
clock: 6:15
